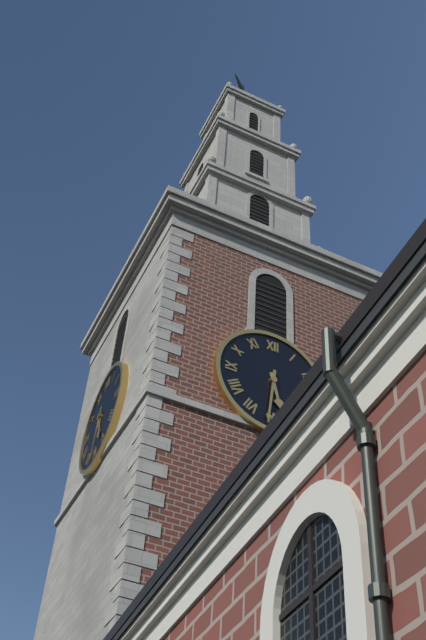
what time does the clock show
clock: 5:31
